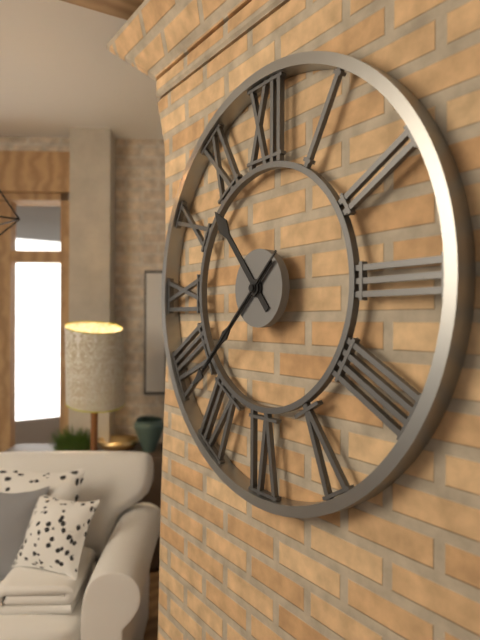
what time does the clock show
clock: 10:38:38
